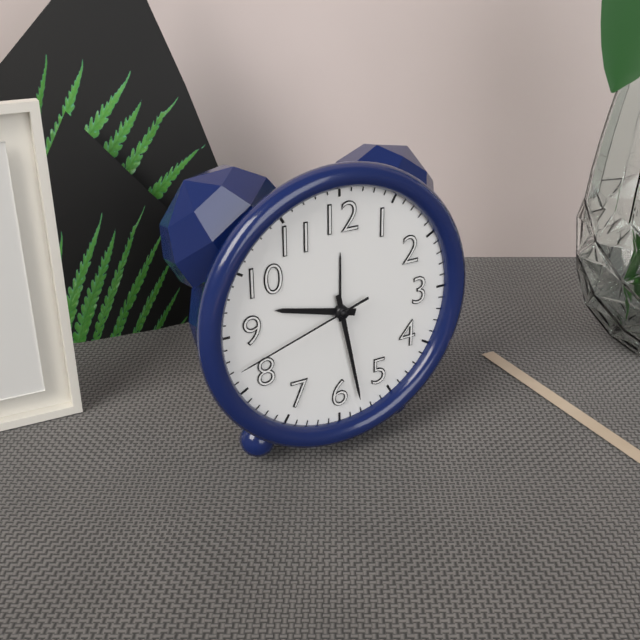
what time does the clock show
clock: 9:28:42
